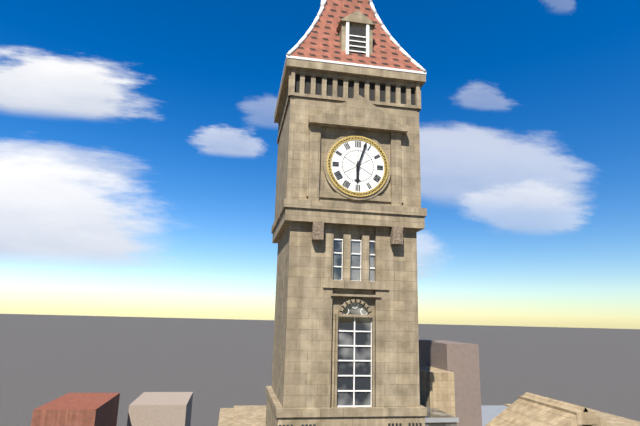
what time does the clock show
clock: 6:03
